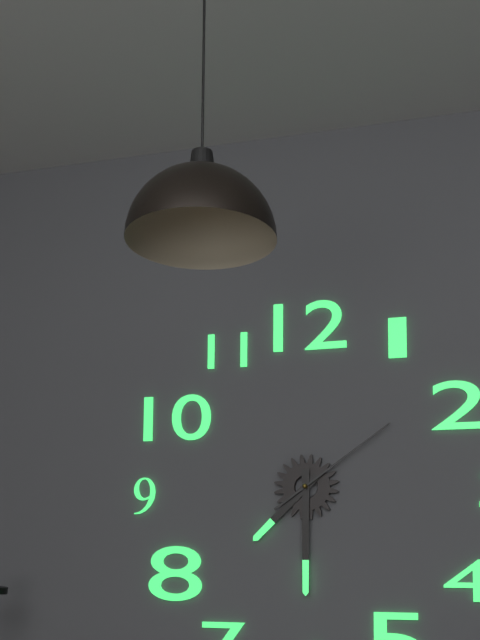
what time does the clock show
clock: 7:30:09
